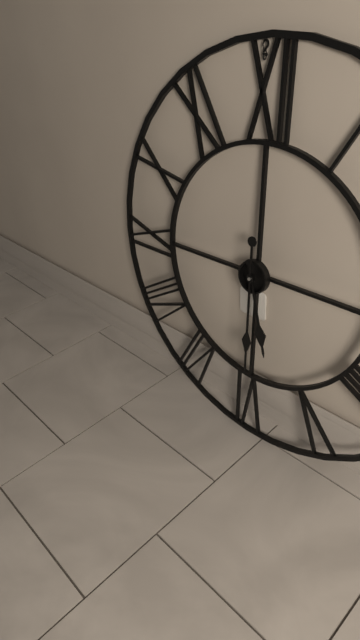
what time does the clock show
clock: 5:30
